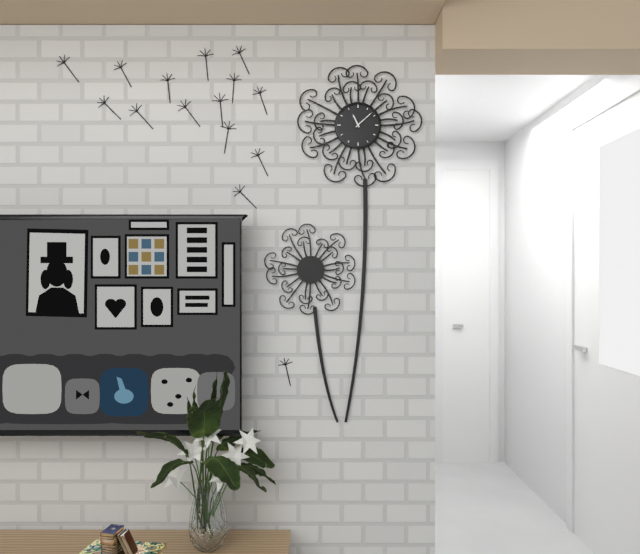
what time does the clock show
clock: 11:08
